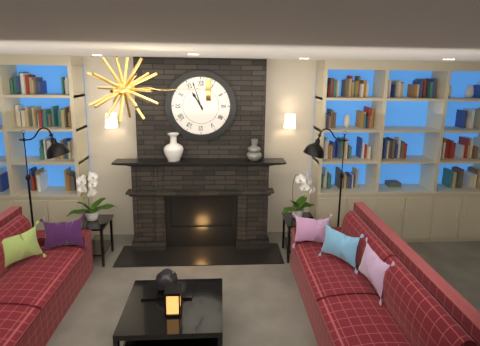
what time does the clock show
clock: 10:57
